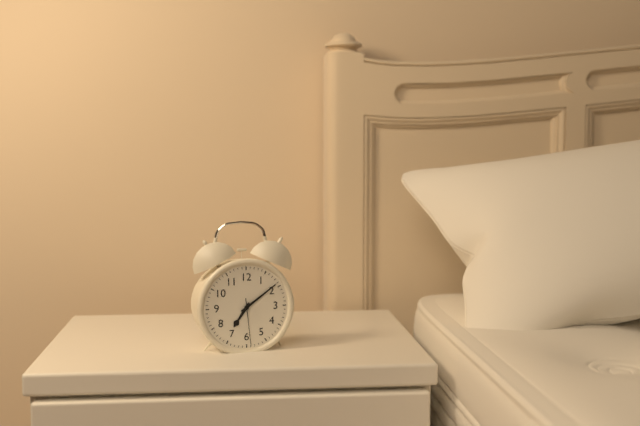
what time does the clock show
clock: 7:09
